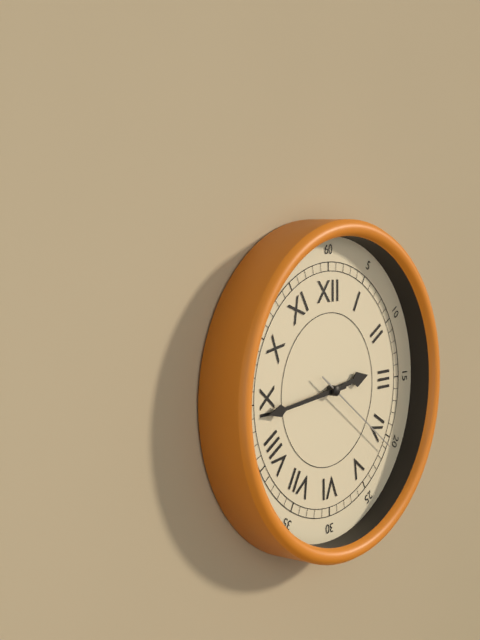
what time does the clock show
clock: 2:44:21
